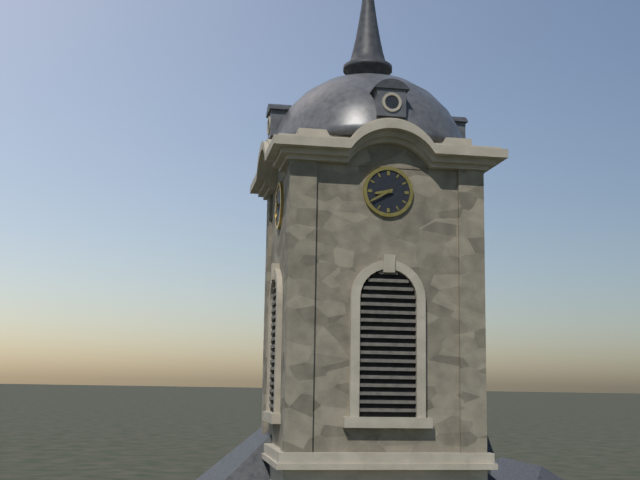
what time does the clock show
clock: 8:40
